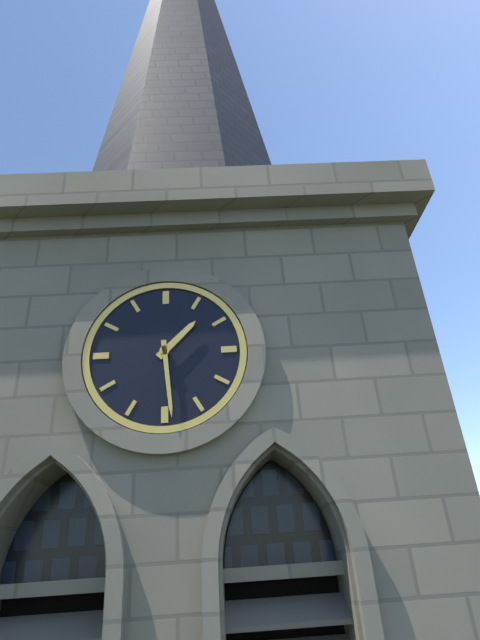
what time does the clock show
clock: 1:29
